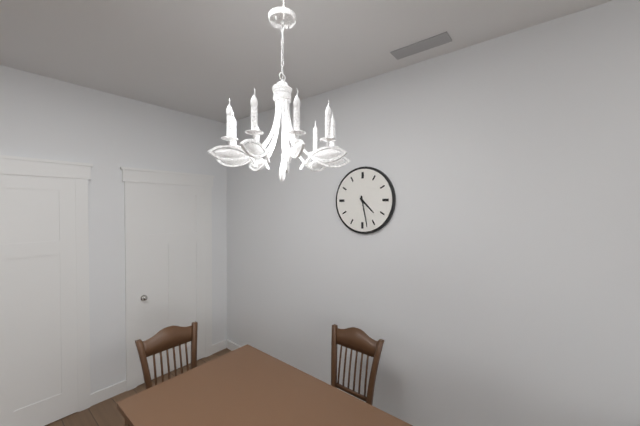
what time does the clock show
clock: 4:28
